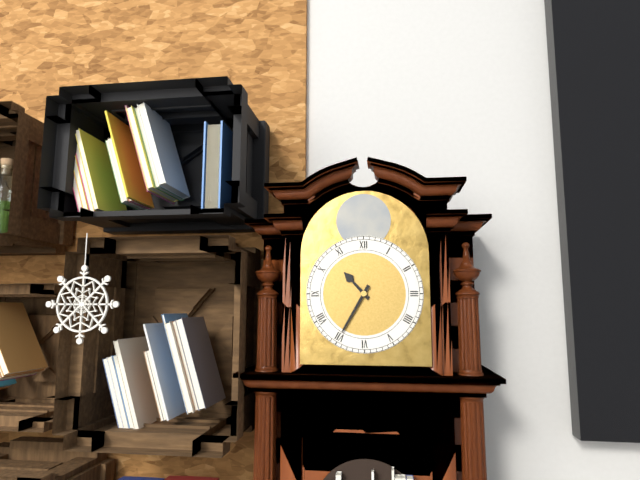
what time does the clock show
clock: 10:35
